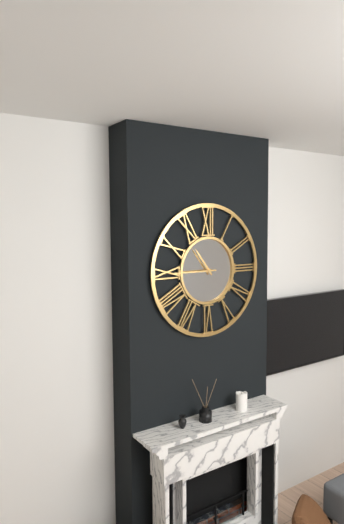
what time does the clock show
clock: 10:45
